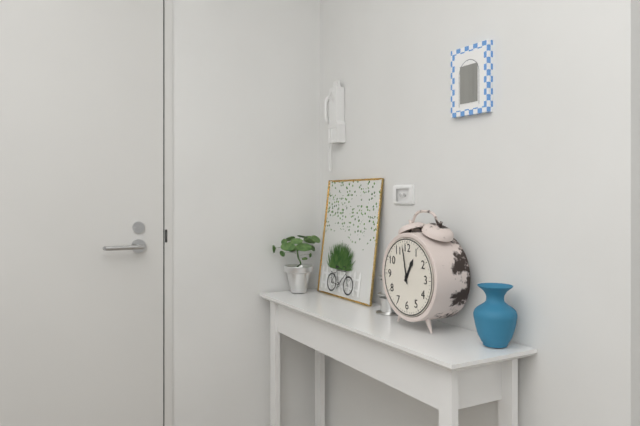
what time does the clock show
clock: 12:58
